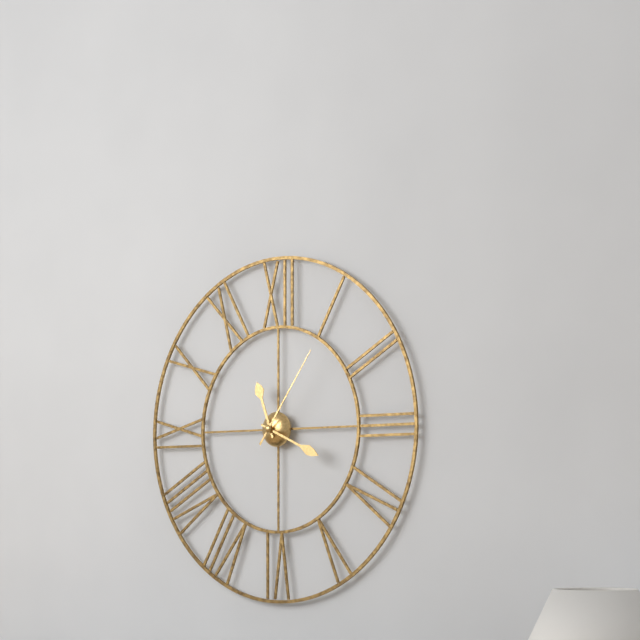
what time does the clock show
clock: 11:19:06
